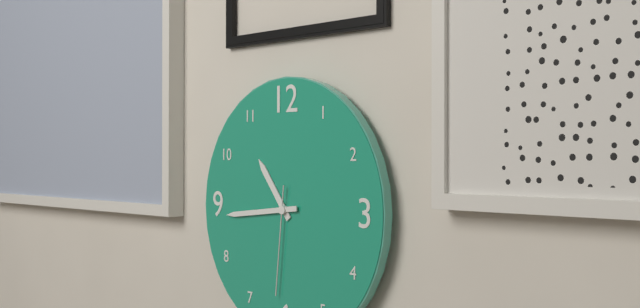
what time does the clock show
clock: 10:44:31
